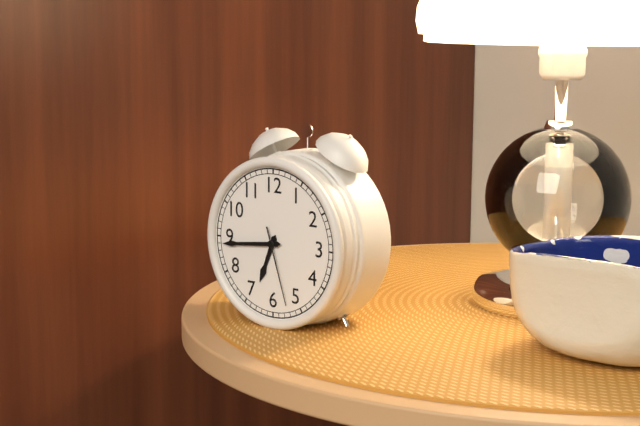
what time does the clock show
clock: 6:44:27
